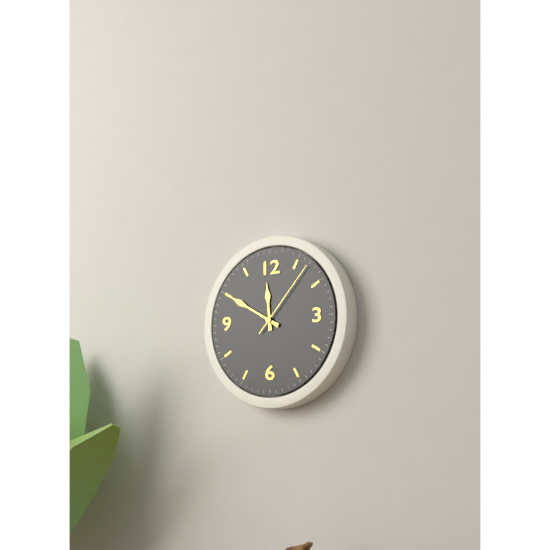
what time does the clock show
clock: 11:50:07
